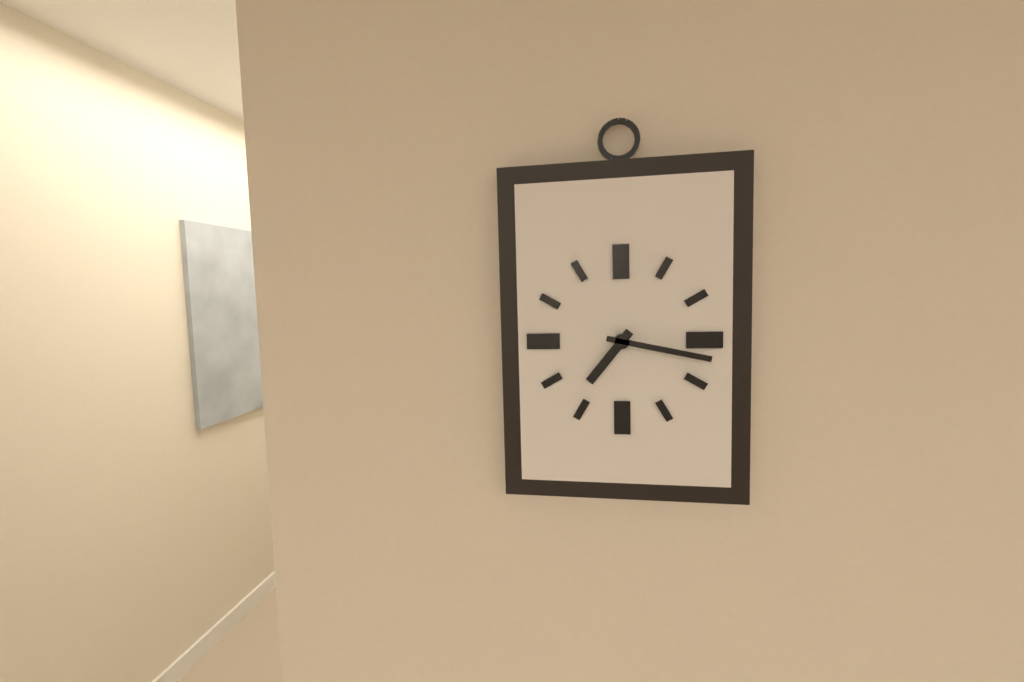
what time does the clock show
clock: 7:17
